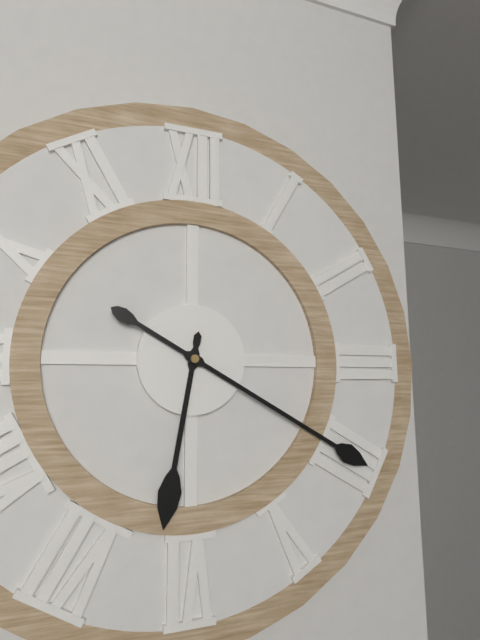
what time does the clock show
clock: 6:20
